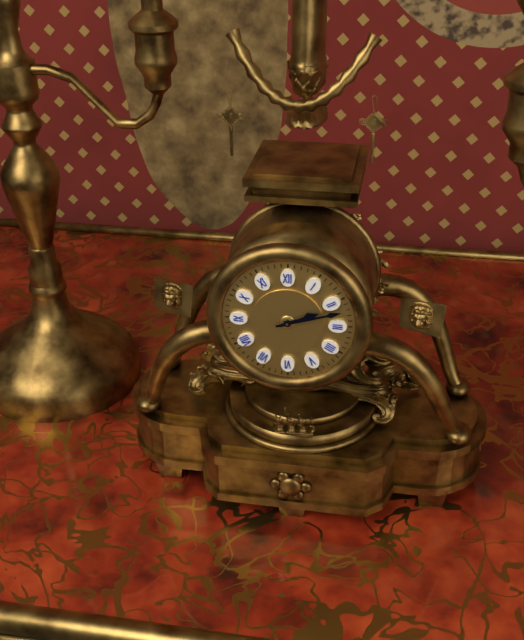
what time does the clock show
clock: 2:12
